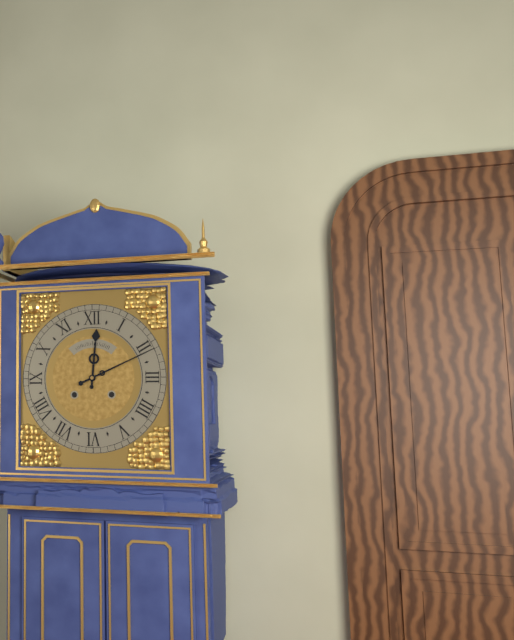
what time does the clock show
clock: 12:11
